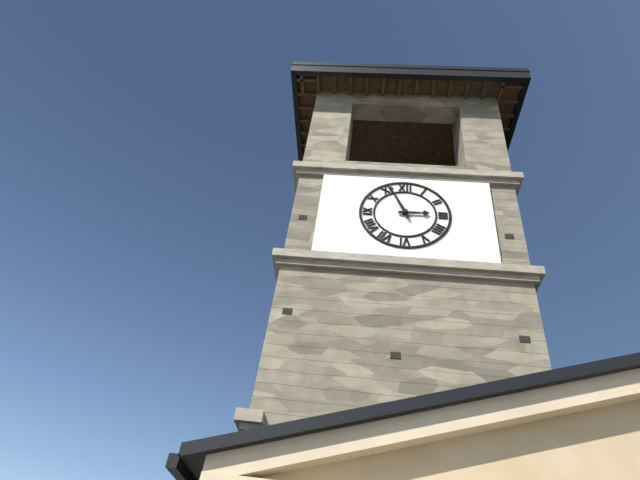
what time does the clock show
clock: 2:56
